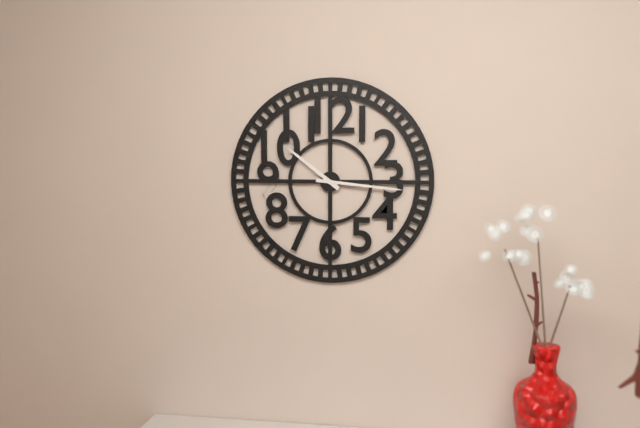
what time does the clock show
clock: 10:16
